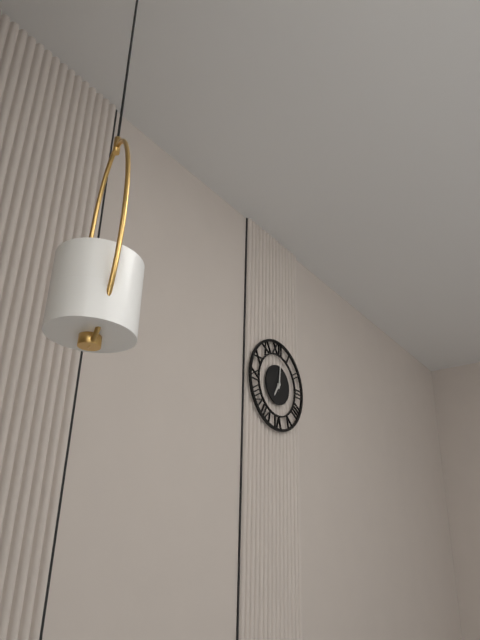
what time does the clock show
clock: 7:01
